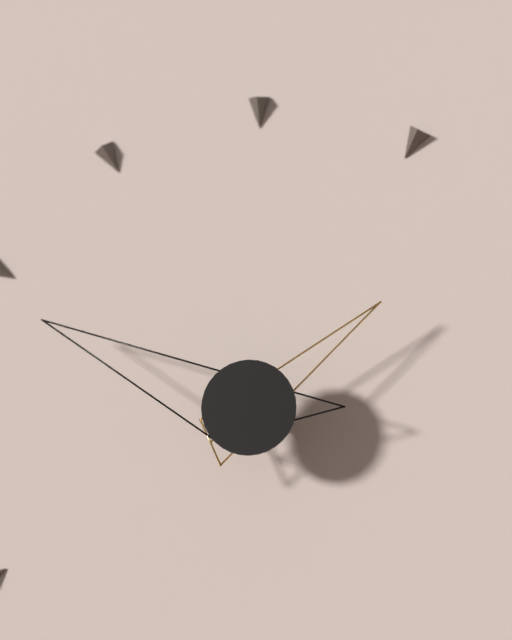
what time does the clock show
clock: 1:49
